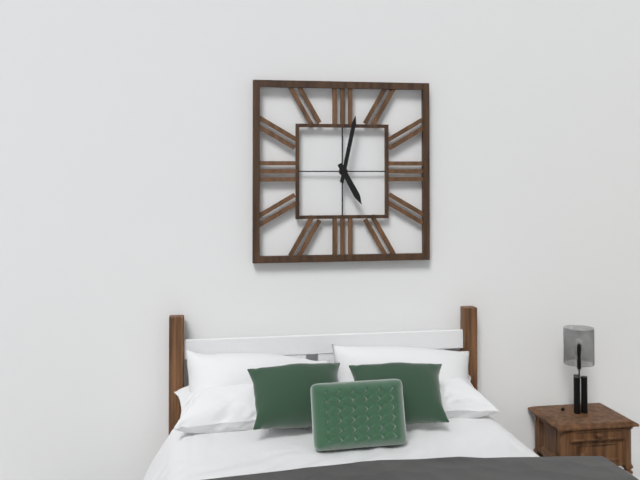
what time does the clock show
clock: 5:02
